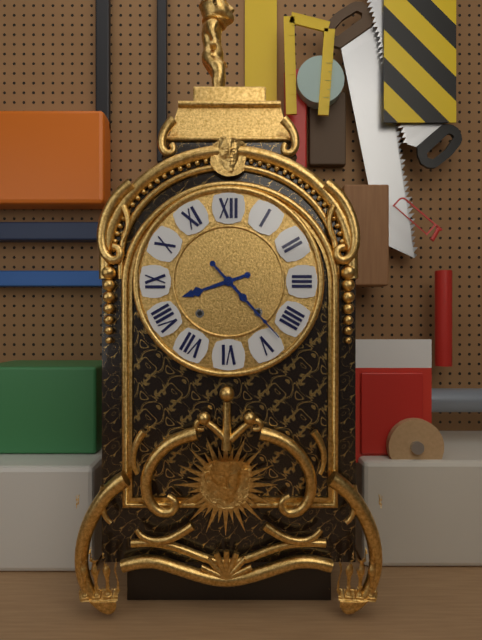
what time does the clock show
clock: 8:23
